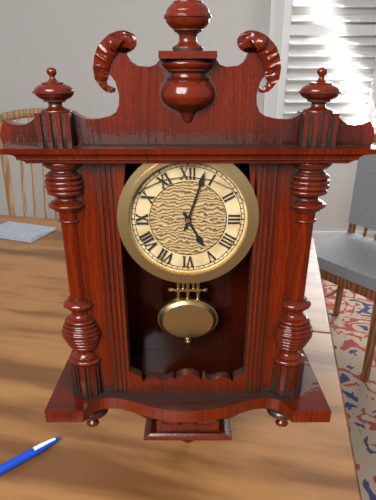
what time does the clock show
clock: 5:03
